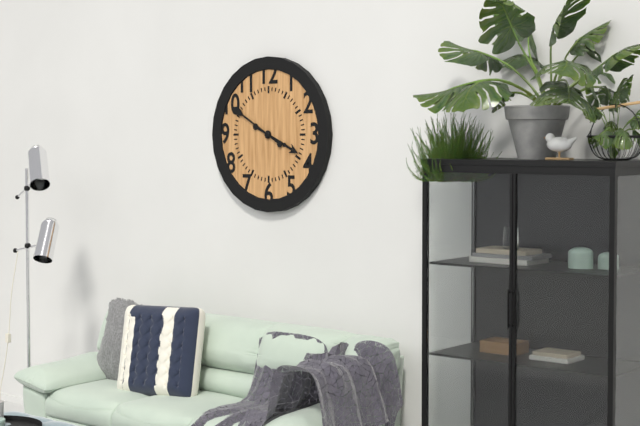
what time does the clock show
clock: 3:50
